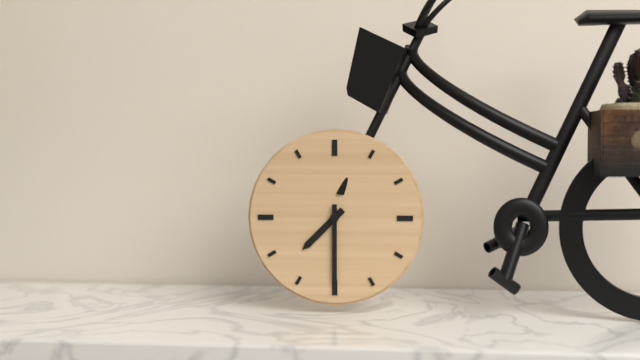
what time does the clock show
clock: 7:30
